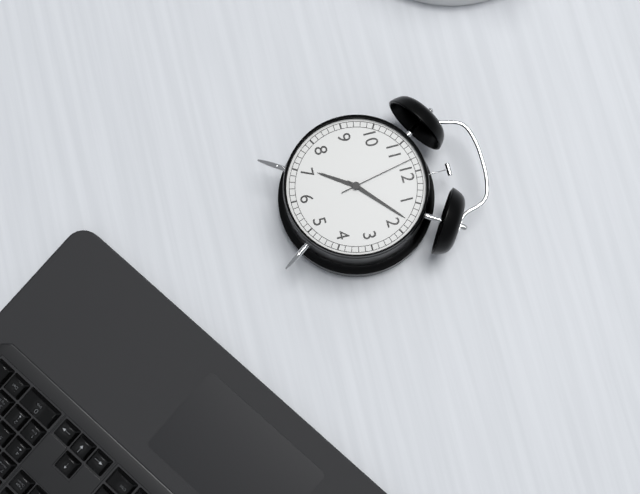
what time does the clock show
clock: 7:08:58
